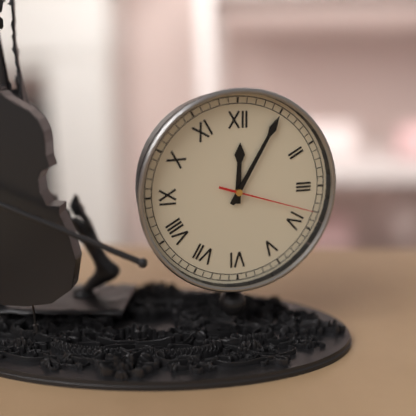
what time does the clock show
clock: 12:05:18
